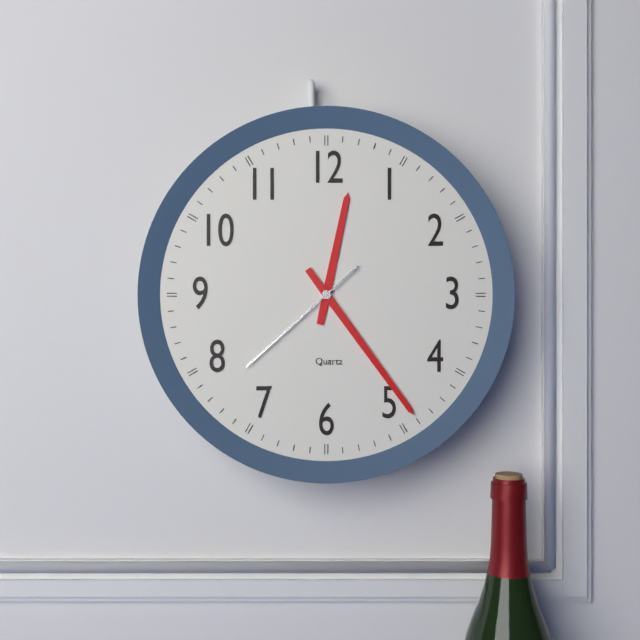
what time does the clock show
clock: 12:24:38
